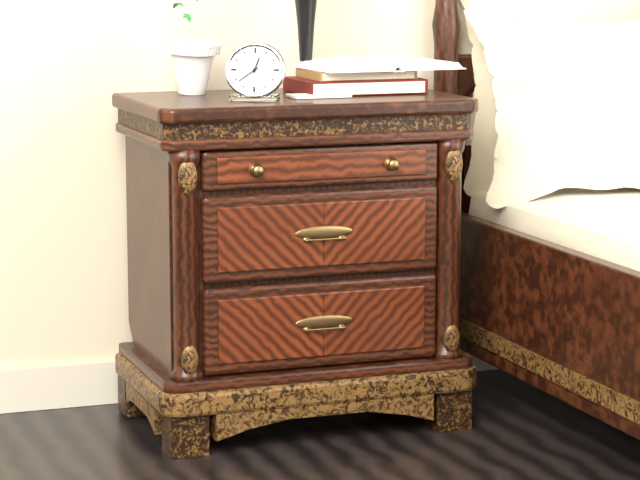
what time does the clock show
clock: 12:39
